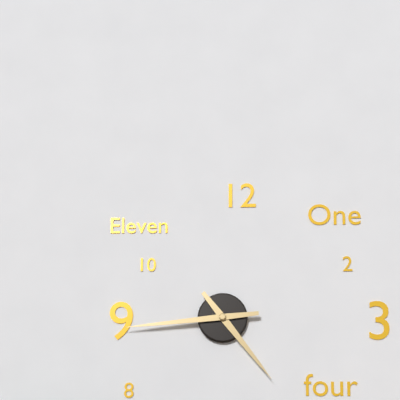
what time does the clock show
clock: 4:44
